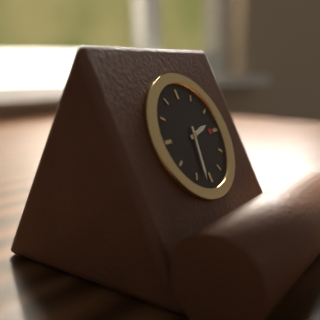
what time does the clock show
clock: 2:32
